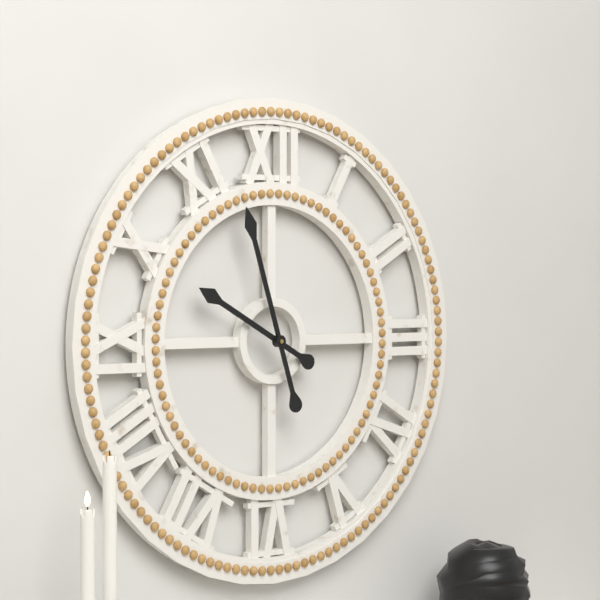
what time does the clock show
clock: 9:57
